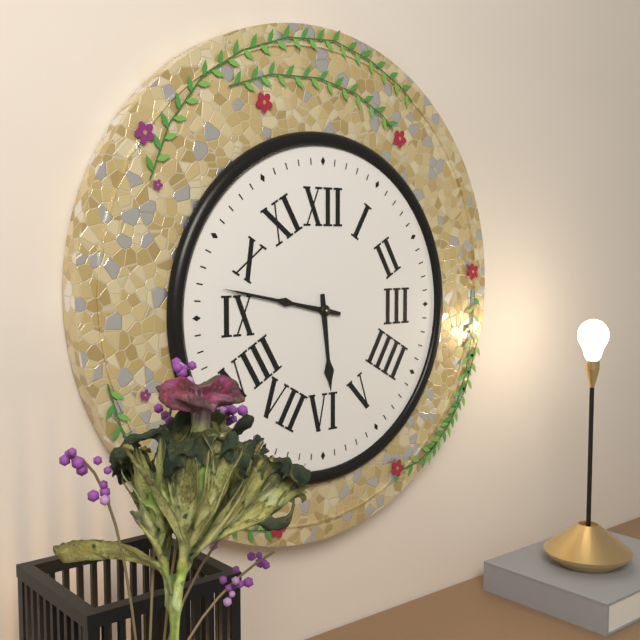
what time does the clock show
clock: 5:47
